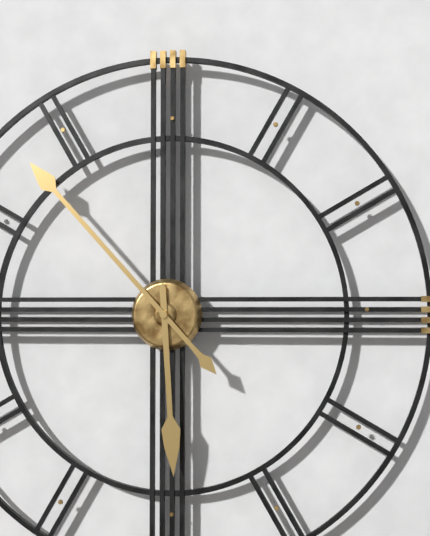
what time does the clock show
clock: 5:53
